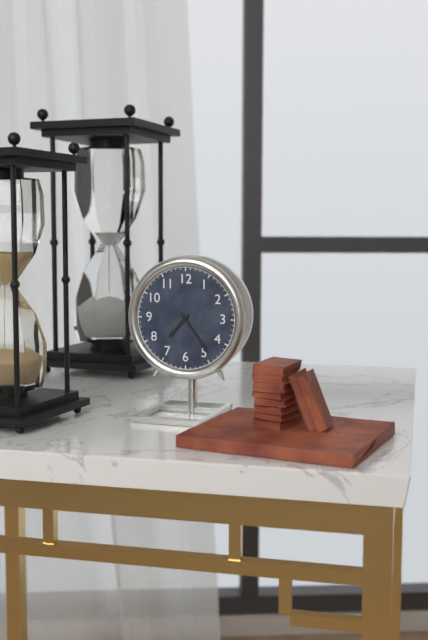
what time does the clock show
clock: 7:24
